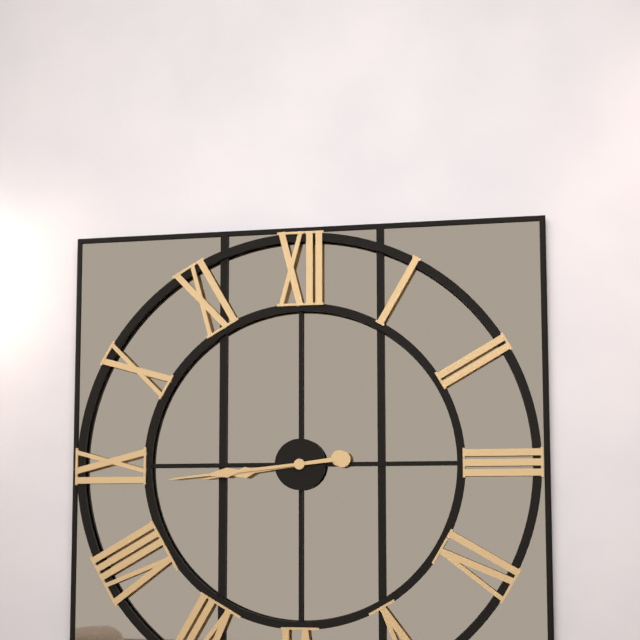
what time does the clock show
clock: 8:44
